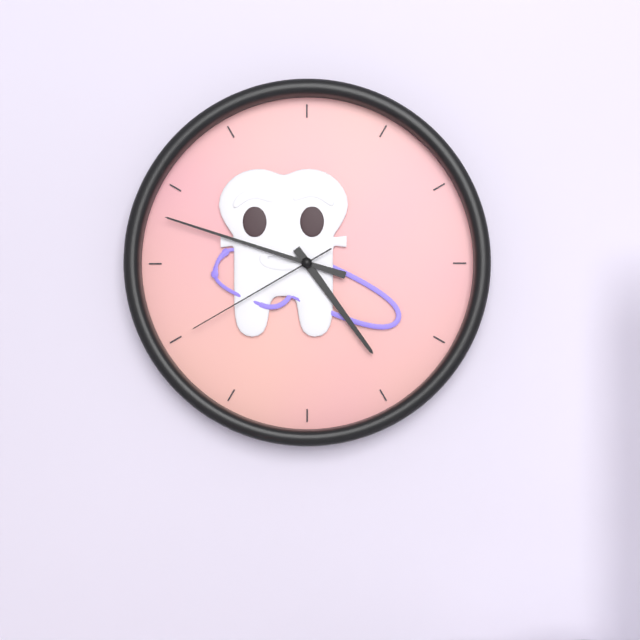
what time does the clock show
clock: 4:48:40
